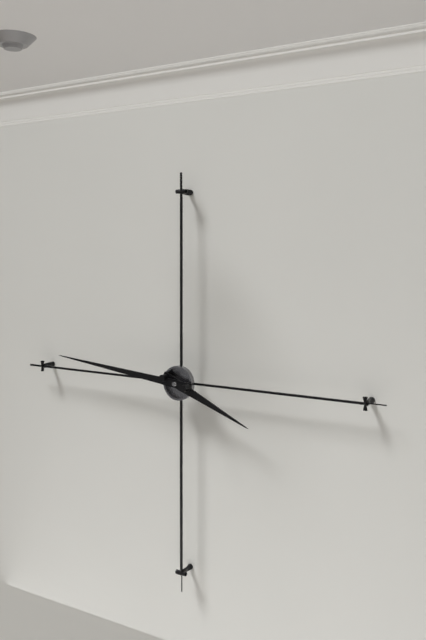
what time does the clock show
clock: 3:46
